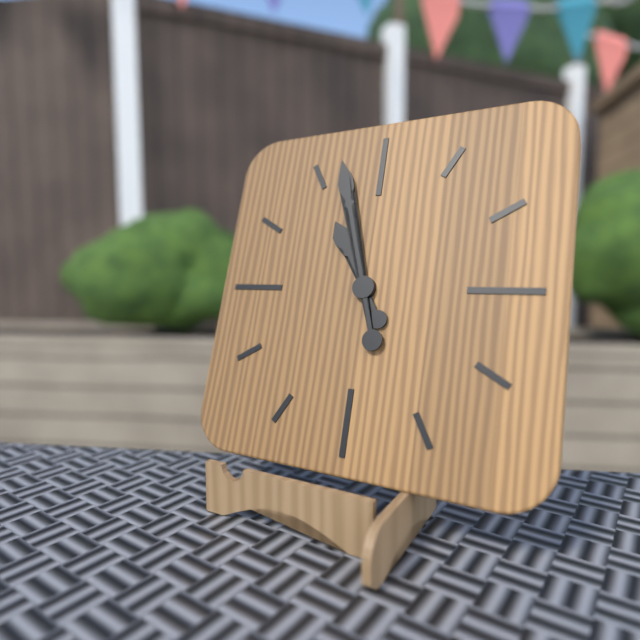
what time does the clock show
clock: 10:57
